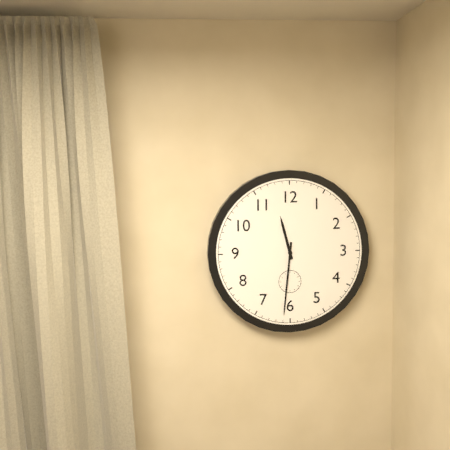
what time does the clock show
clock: 11:31
